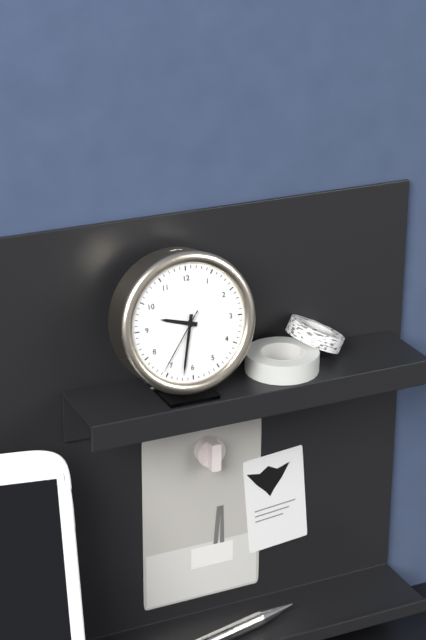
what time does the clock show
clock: 9:32:36
